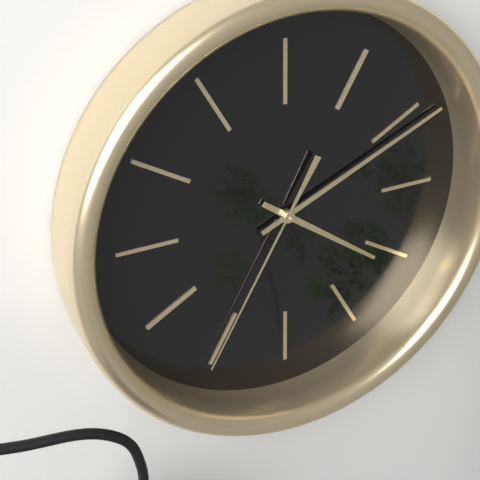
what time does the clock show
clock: 4:11:35
